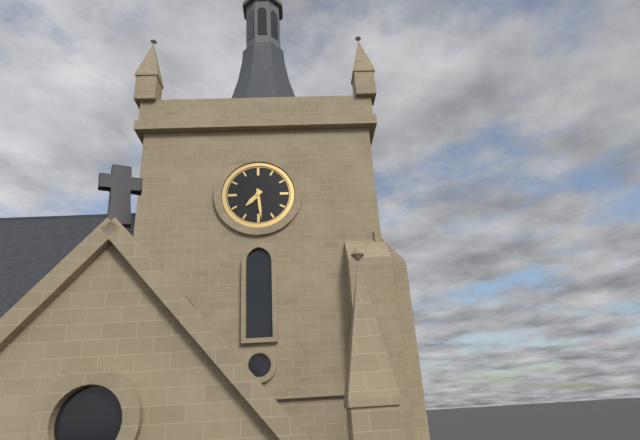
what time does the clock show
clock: 7:29
